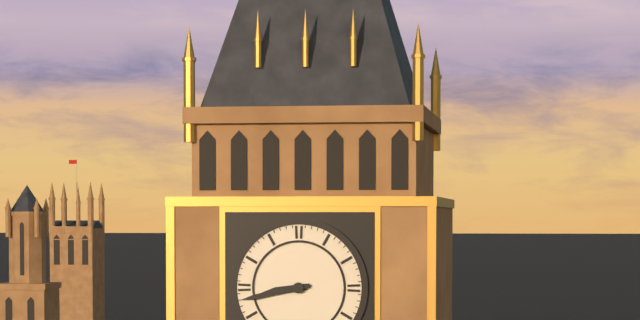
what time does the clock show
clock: 8:43
